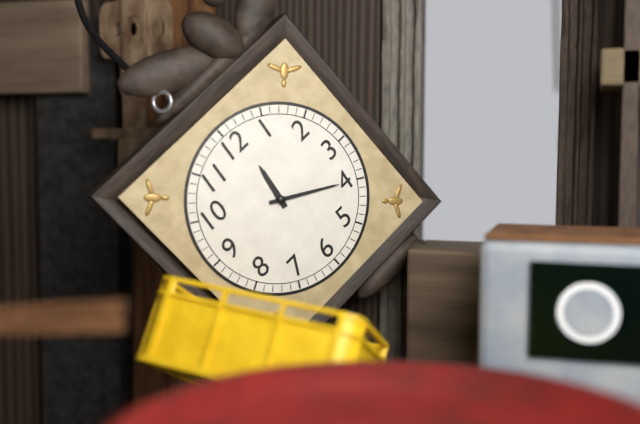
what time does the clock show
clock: 12:20
